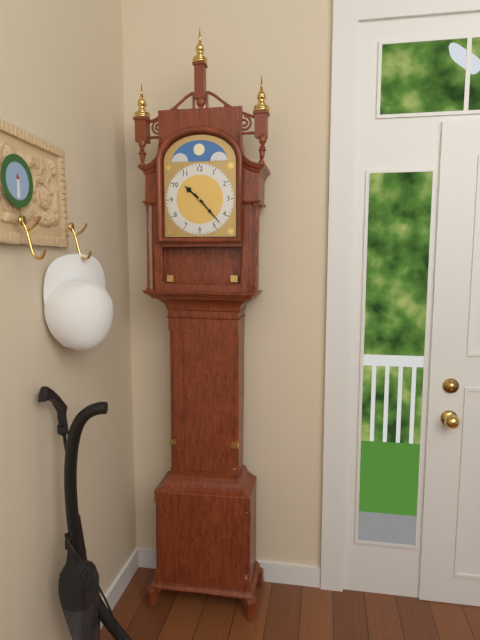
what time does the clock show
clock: 10:23
